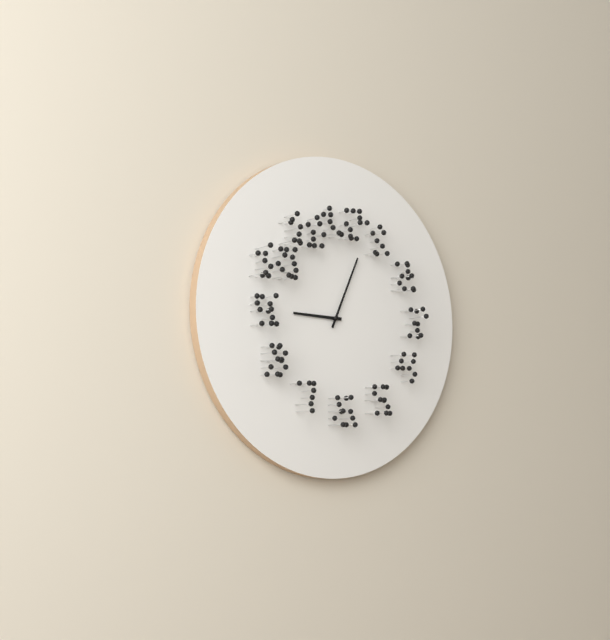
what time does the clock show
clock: 9:04
